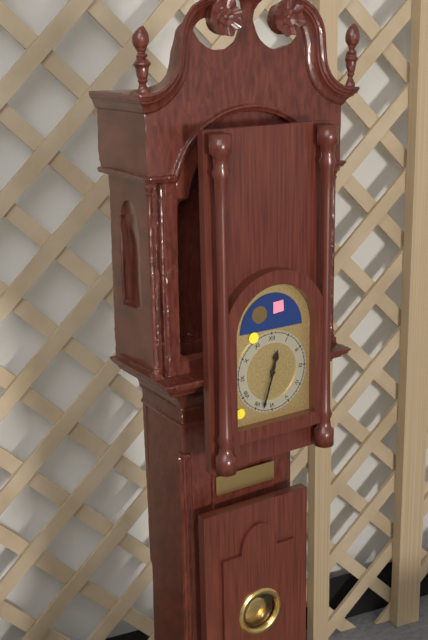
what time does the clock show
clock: 12:33
